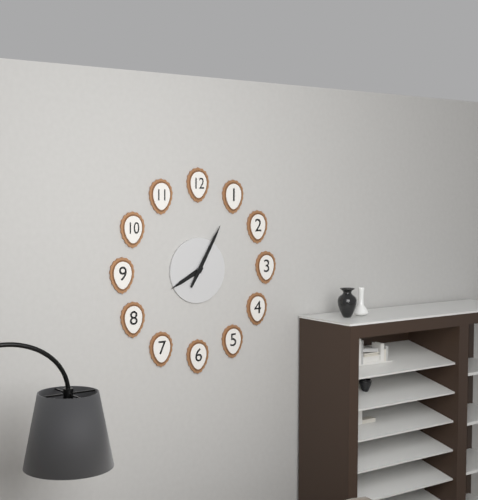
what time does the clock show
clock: 8:05
